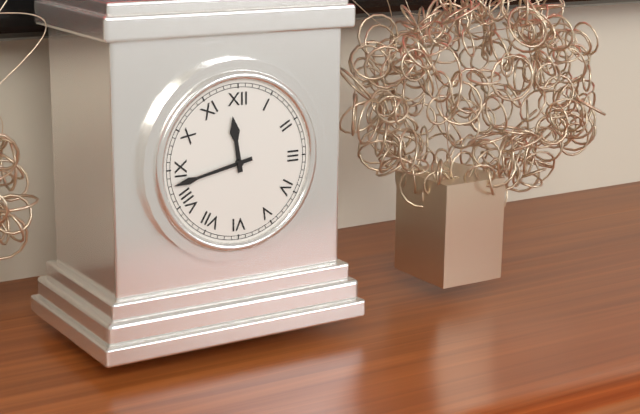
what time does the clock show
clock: 11:43
